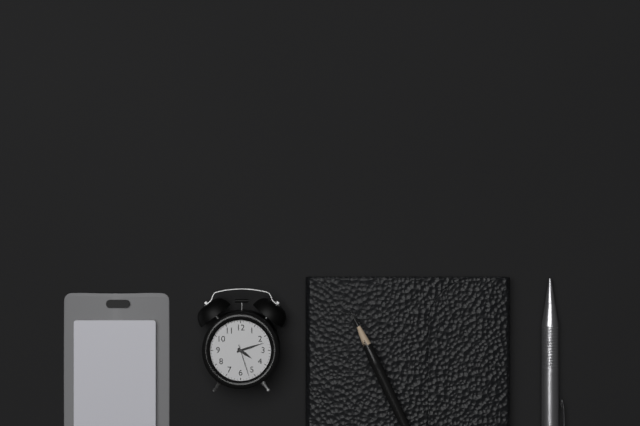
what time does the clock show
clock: 4:12
